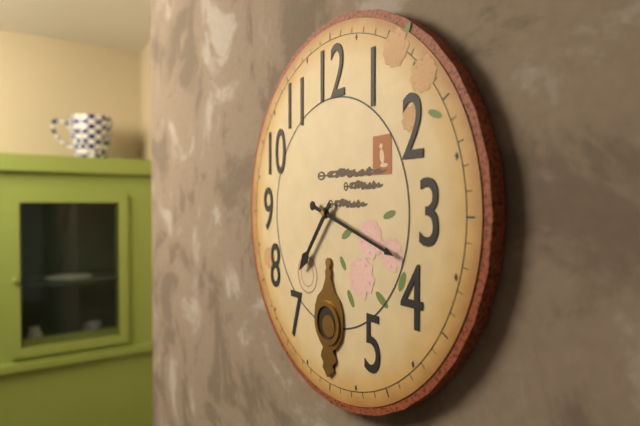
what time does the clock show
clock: 7:18
